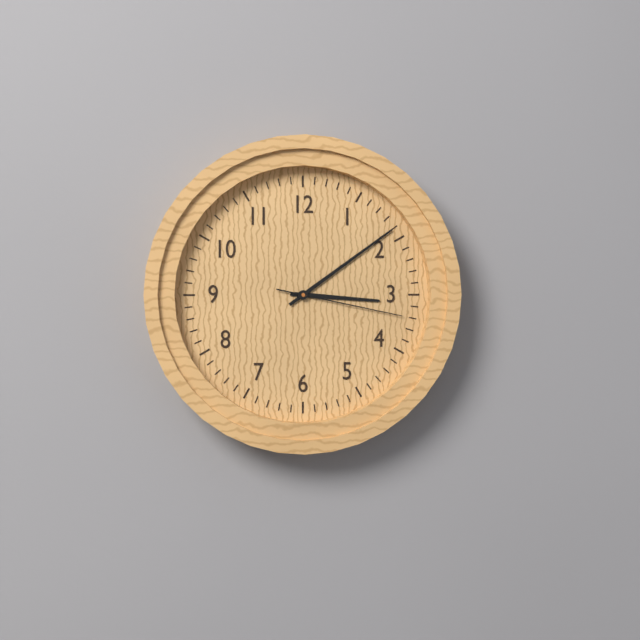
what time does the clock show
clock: 3:09:17
